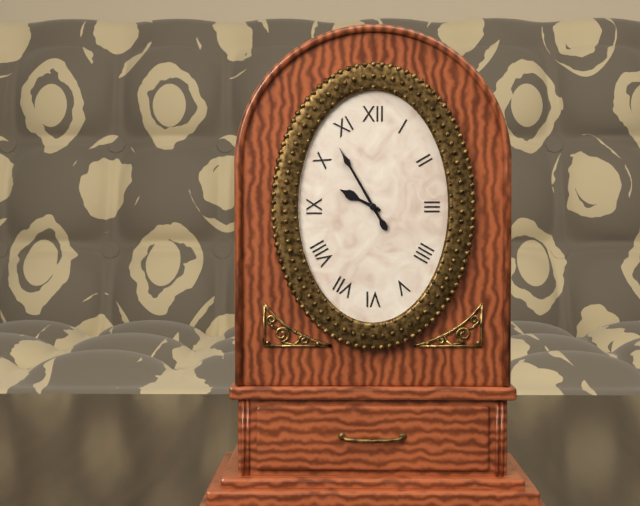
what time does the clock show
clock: 9:55
